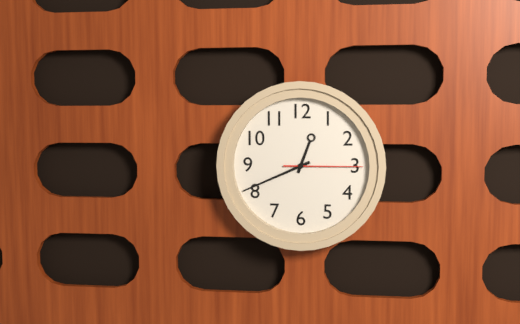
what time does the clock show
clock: 12:41:15
